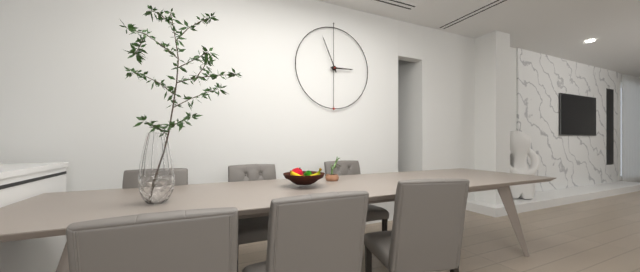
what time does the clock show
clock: 2:56
